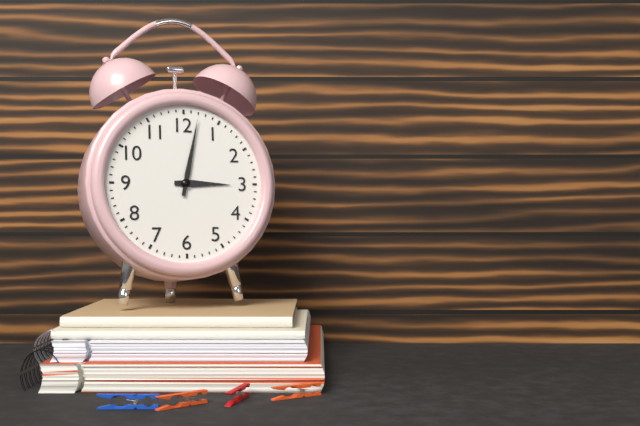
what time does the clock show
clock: 3:02
